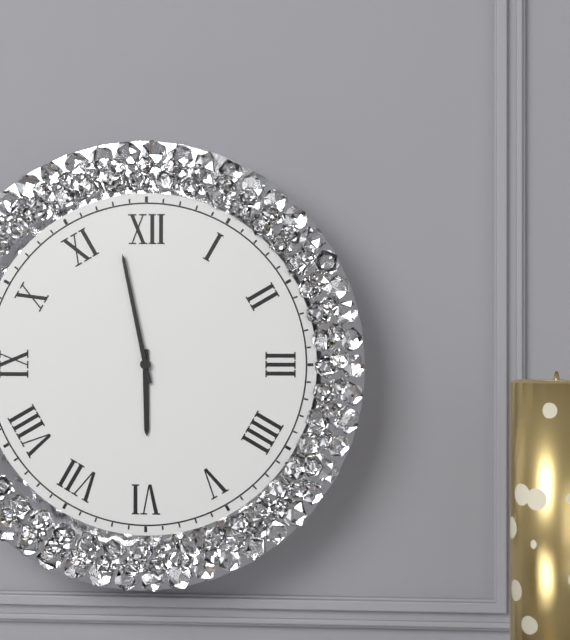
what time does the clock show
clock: 5:58
